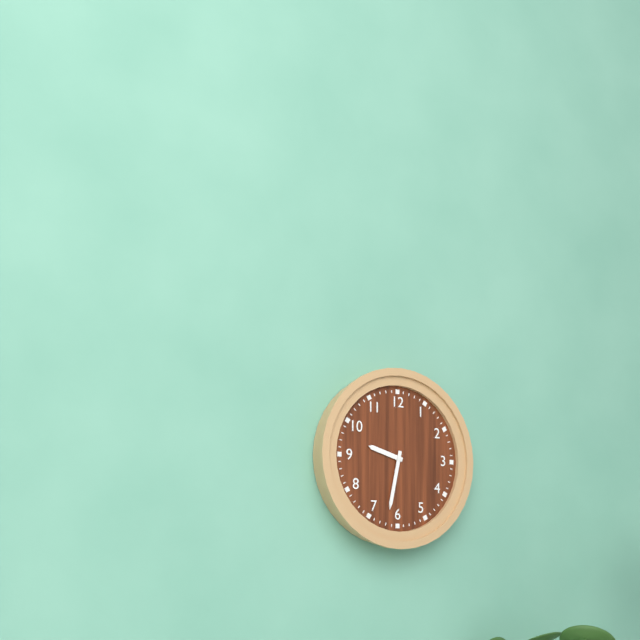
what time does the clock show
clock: 9:32
